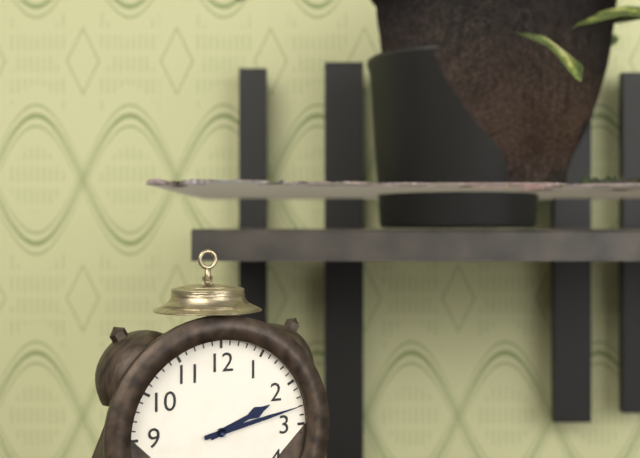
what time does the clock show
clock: 2:13
